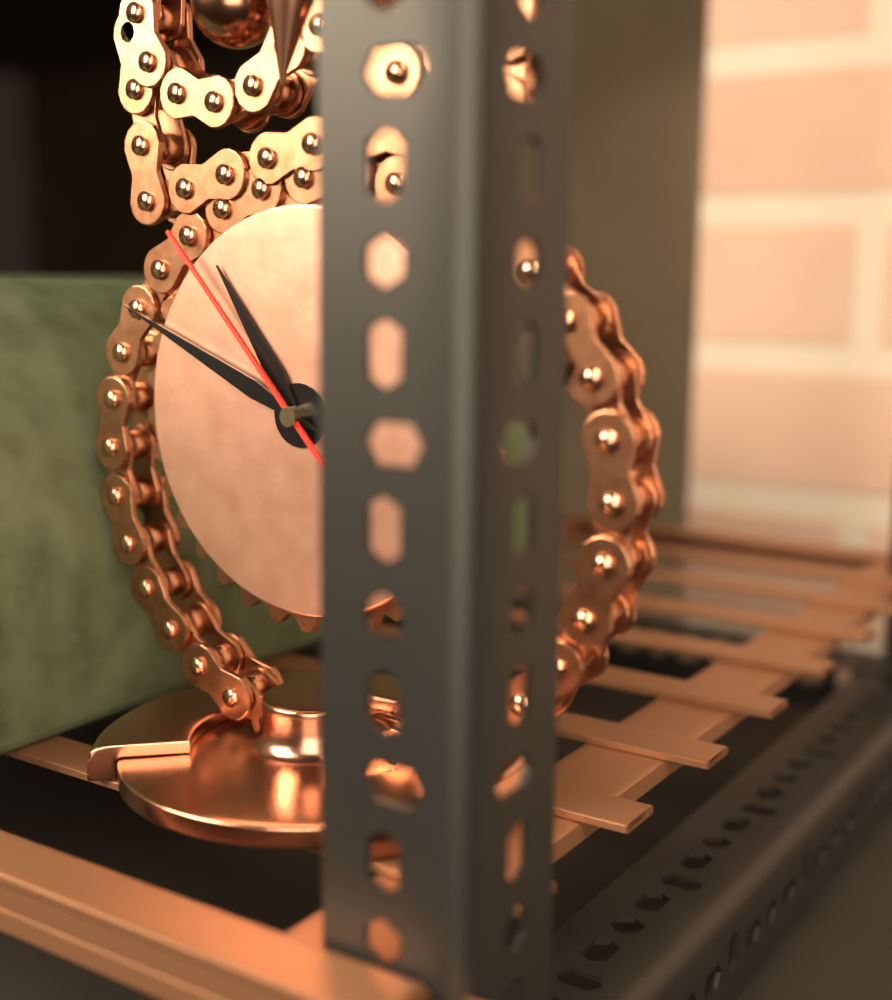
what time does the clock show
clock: 10:49:53
